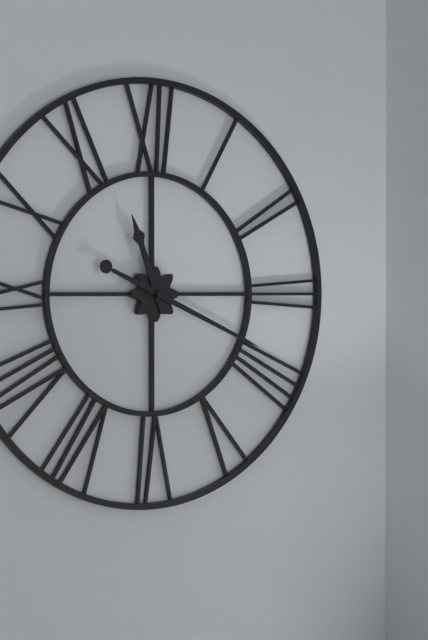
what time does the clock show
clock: 11:19
